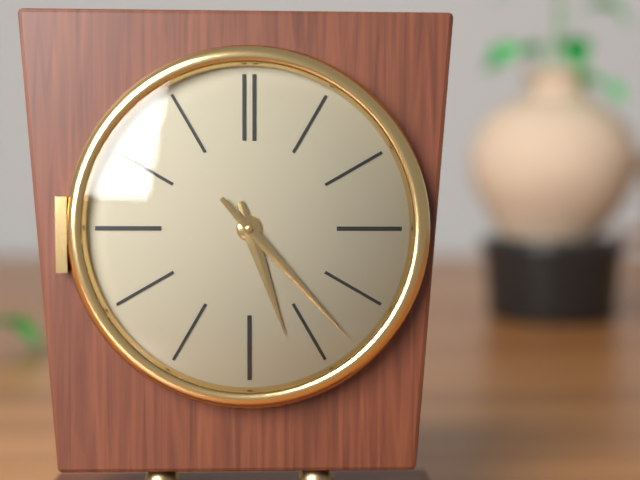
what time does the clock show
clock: 5:23
